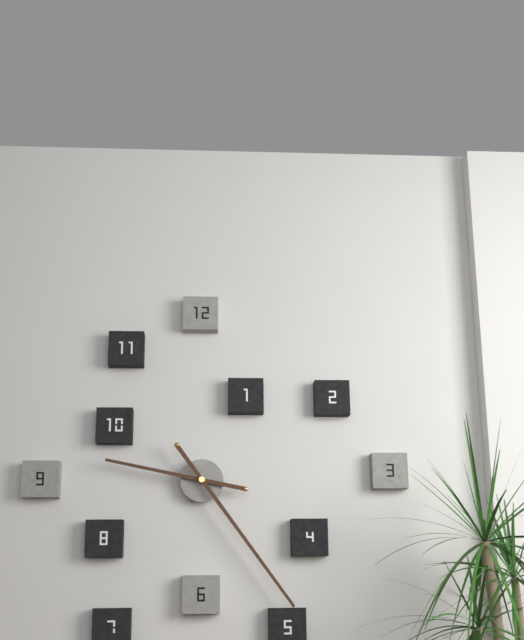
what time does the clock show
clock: 9:24
